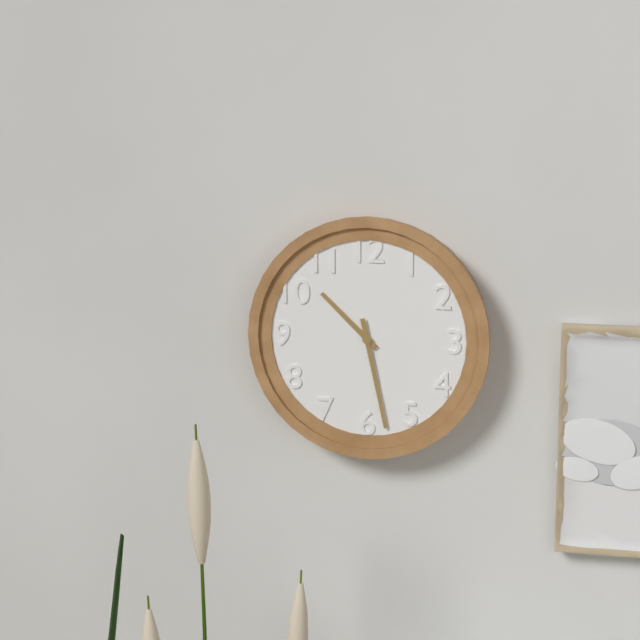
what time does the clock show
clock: 10:28
